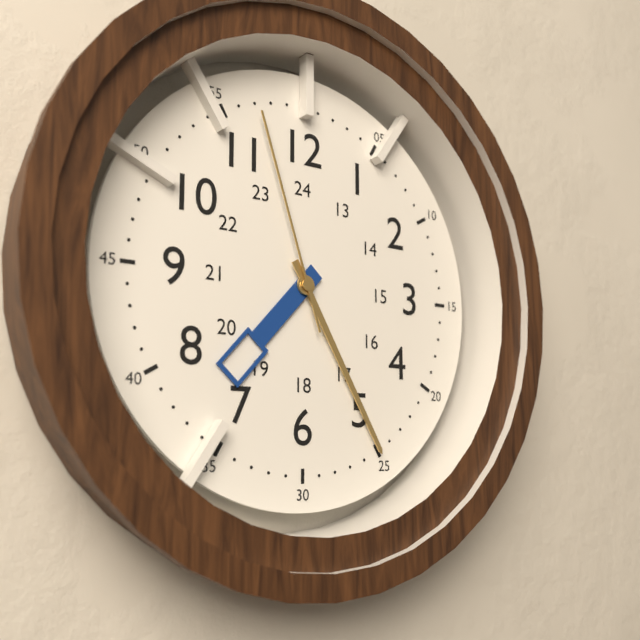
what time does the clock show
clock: 7:25:57
